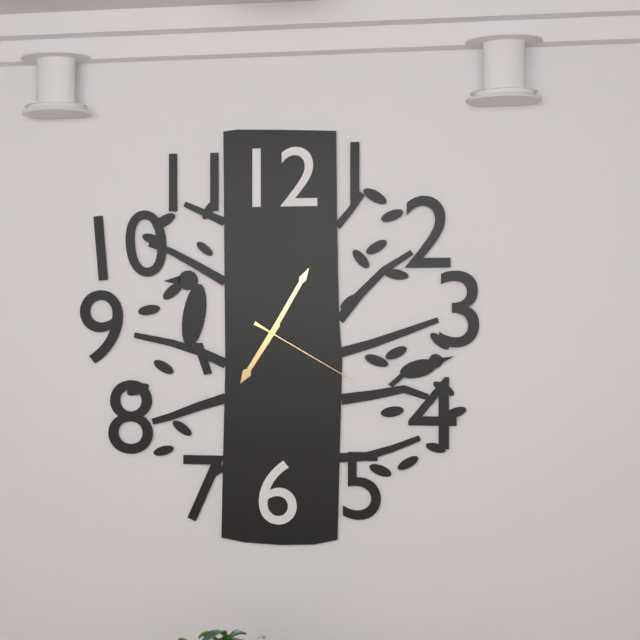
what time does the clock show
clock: 7:05:20
